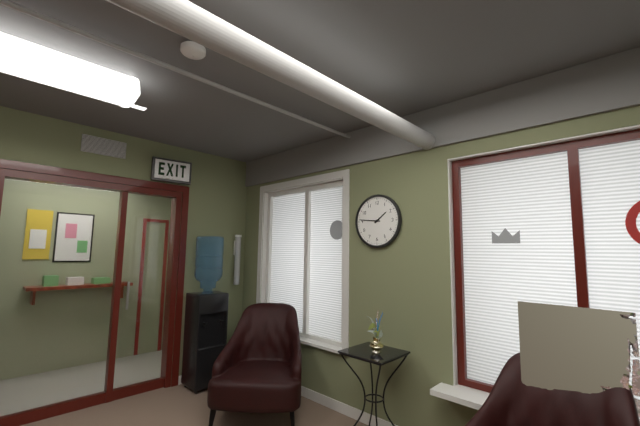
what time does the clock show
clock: 1:46
